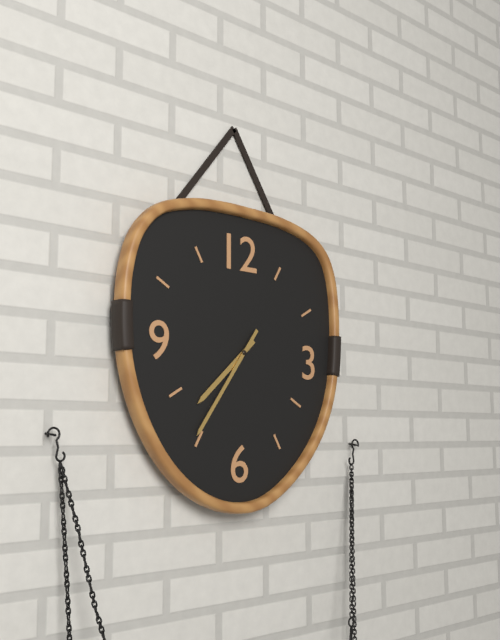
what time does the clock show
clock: 7:36
